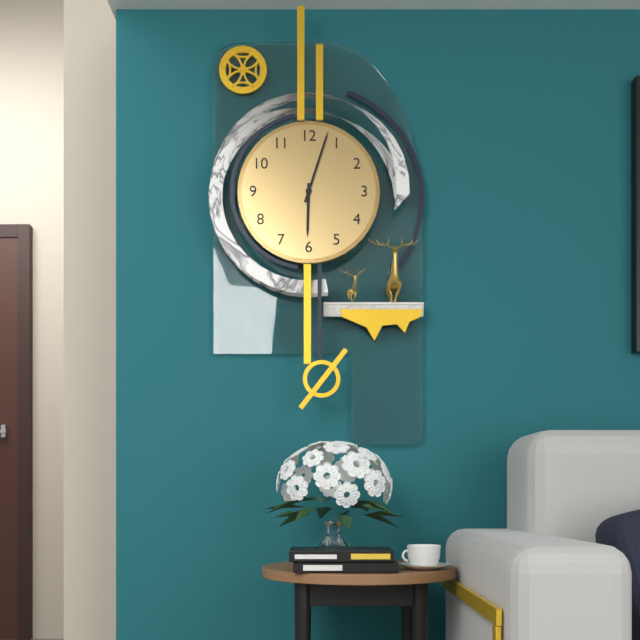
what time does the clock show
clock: 6:03
